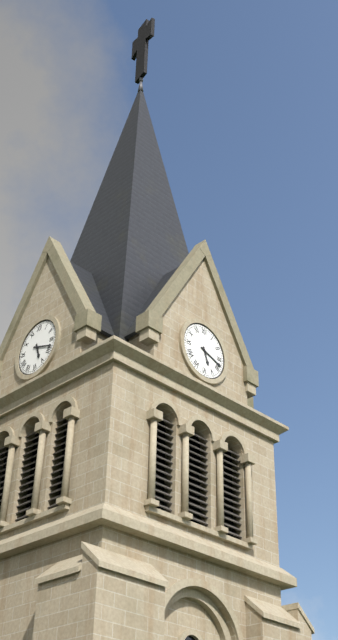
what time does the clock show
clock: 5:18
